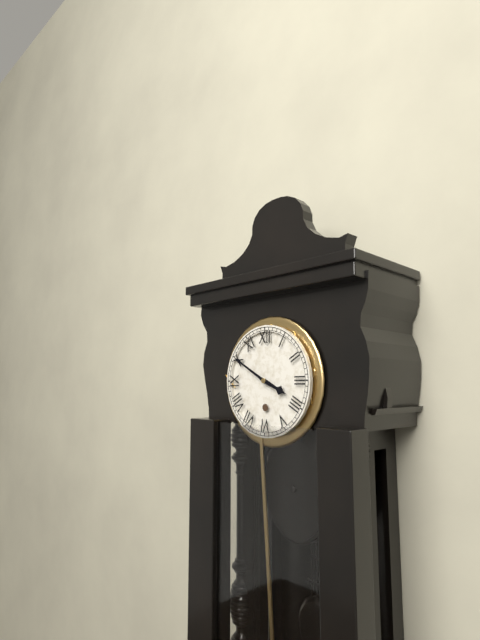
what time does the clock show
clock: 3:50
